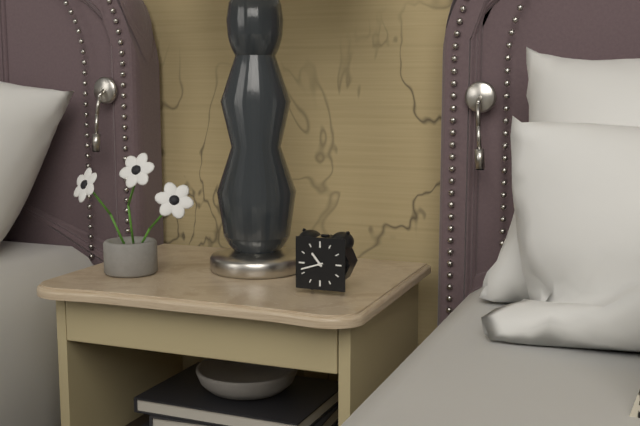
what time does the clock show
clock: 10:42
